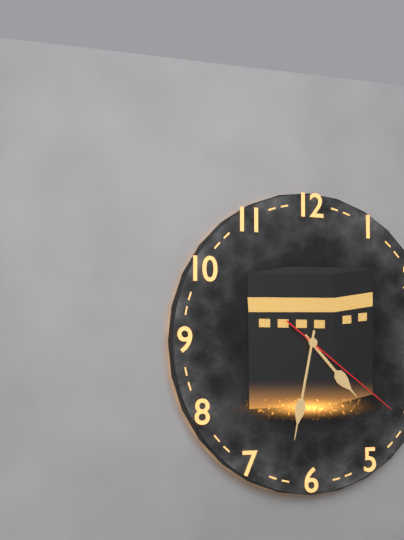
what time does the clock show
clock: 4:32:21
